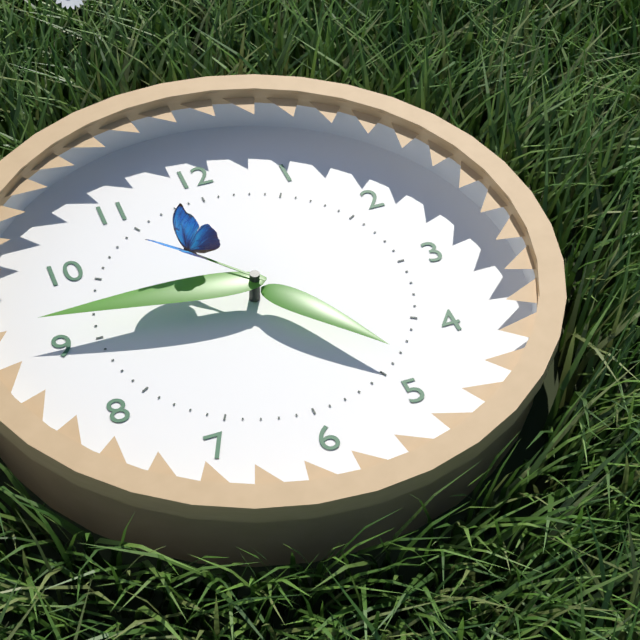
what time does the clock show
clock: 4:46:53
